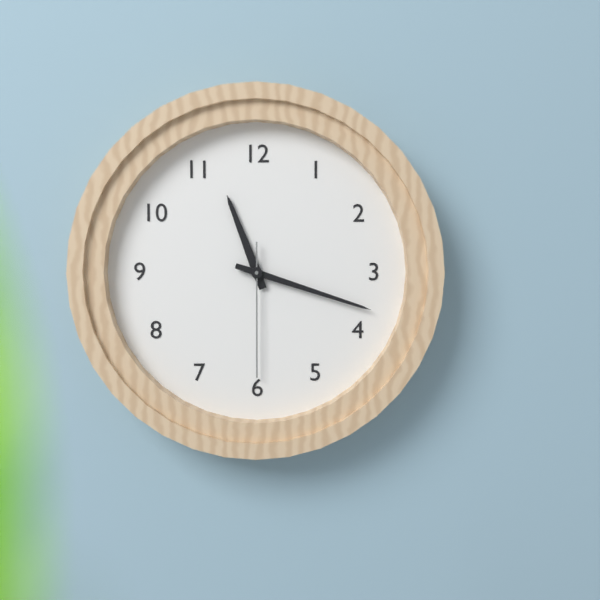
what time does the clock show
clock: 11:18:30
